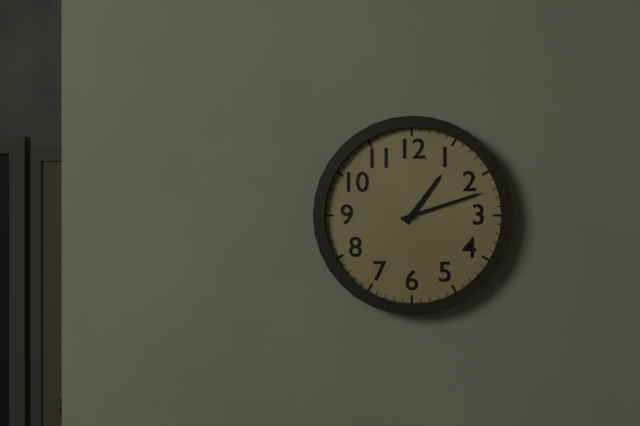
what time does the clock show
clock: 1:12
